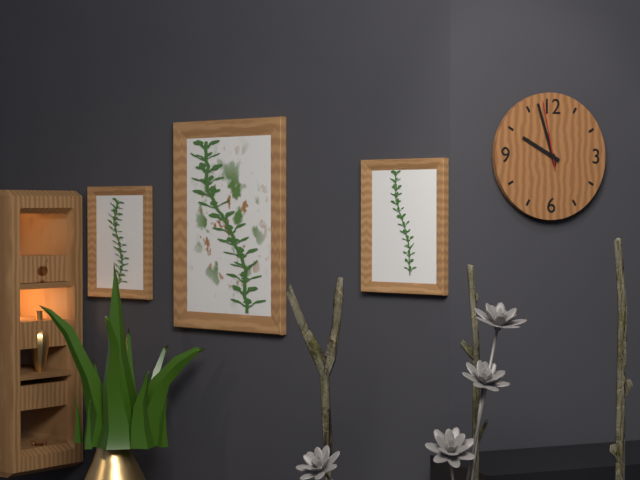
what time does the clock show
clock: 9:57:58
